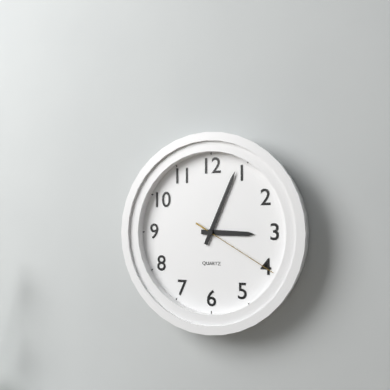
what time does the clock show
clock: 3:04:20
